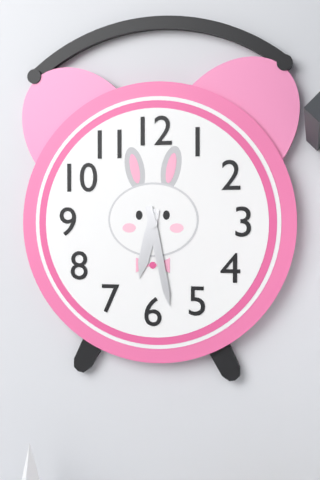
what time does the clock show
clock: 6:28
